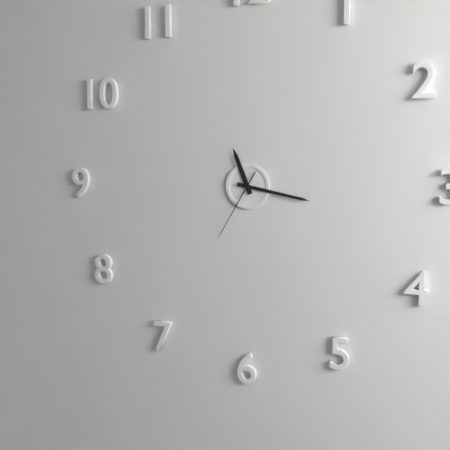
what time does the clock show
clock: 11:17:35
